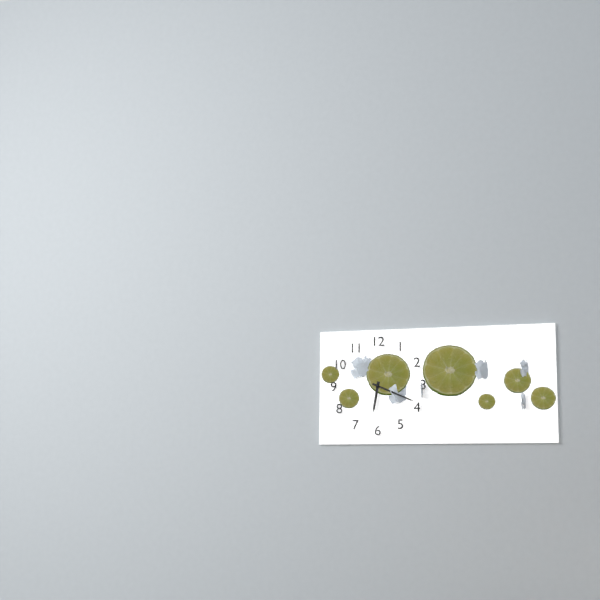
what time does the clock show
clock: 6:19
